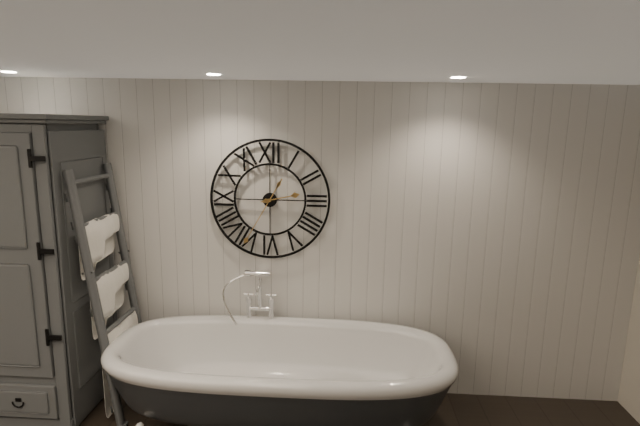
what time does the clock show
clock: 2:35
